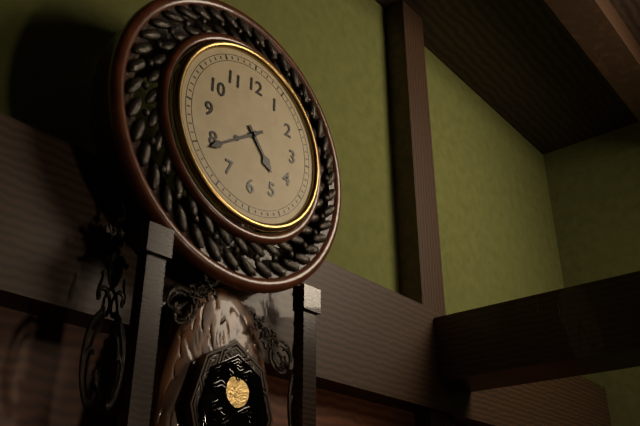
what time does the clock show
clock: 4:39
